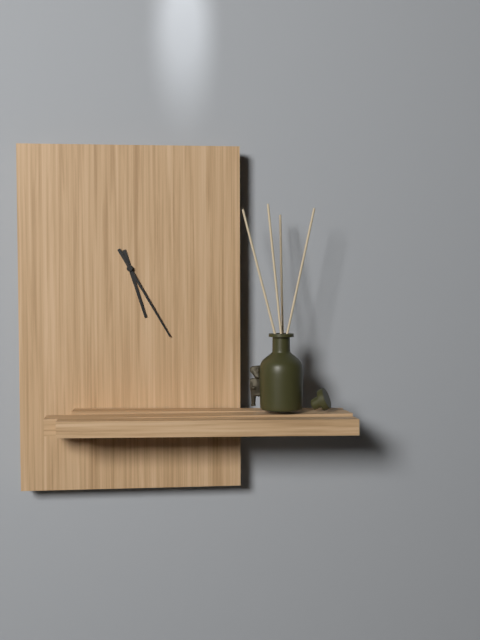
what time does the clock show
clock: 5:25
